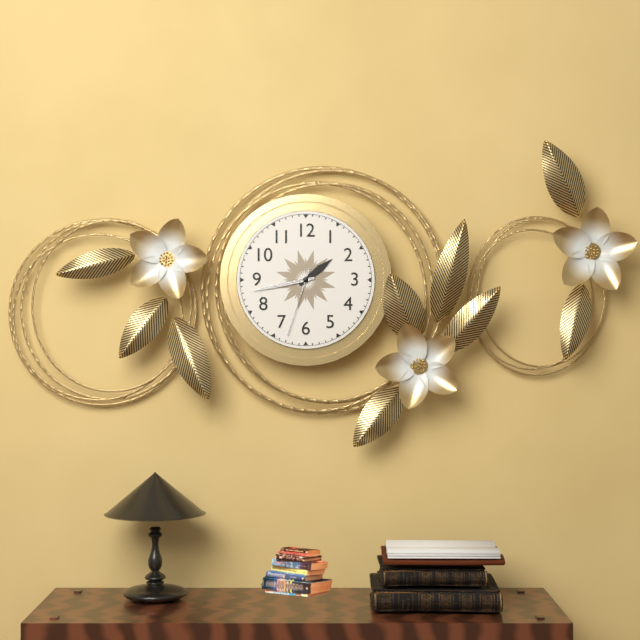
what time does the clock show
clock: 1:43:33
